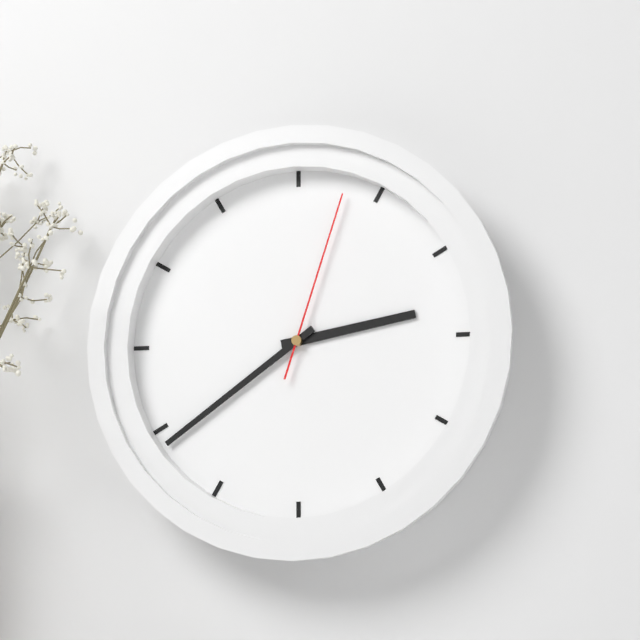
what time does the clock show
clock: 2:39:03
